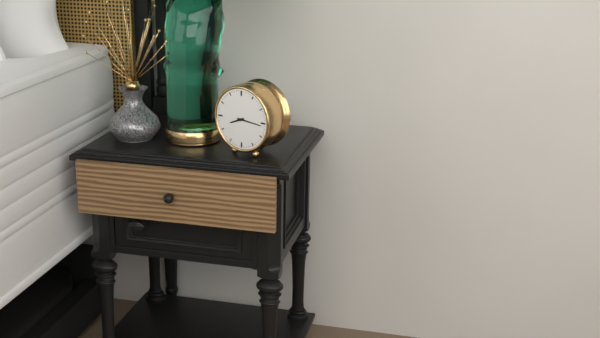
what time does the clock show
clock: 8:16
